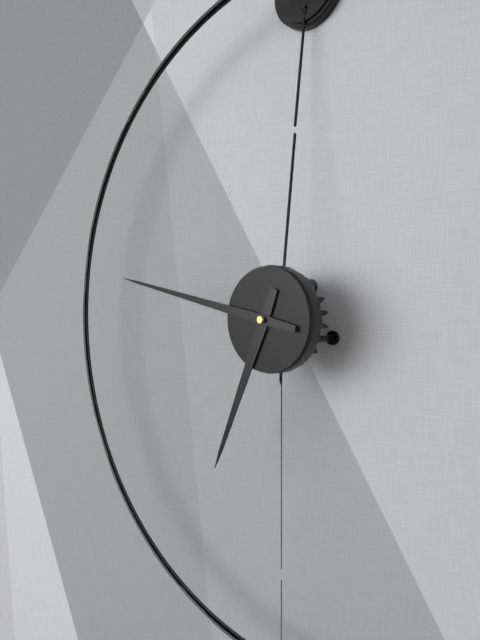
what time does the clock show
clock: 6:47
